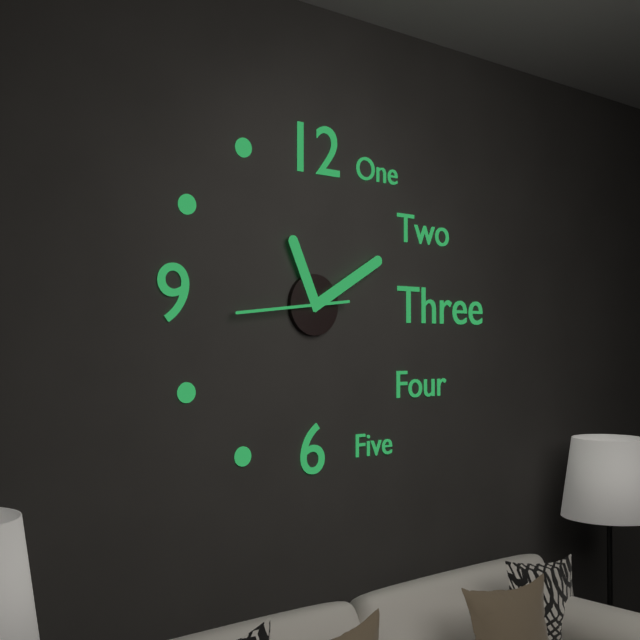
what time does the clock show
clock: 11:10:44
